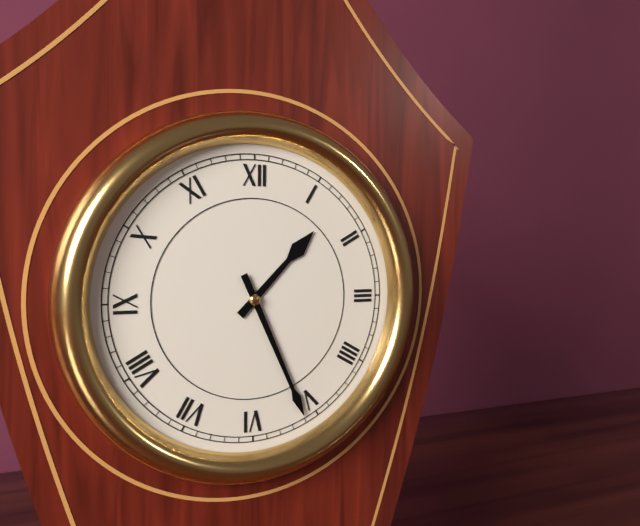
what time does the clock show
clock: 1:26
